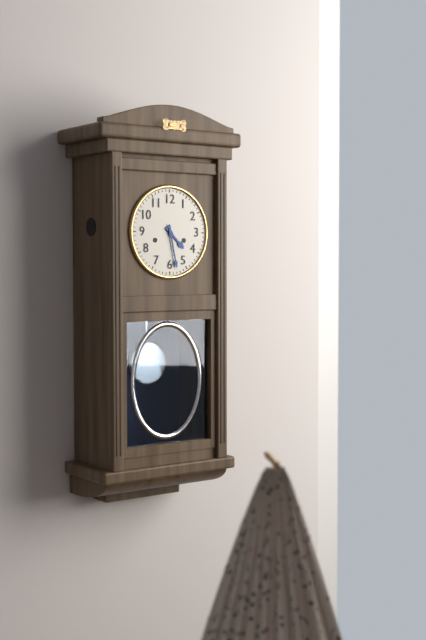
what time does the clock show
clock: 4:28
